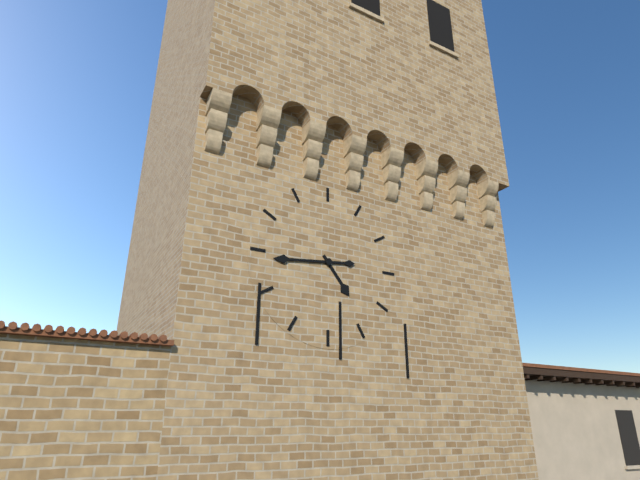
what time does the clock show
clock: 4:44
